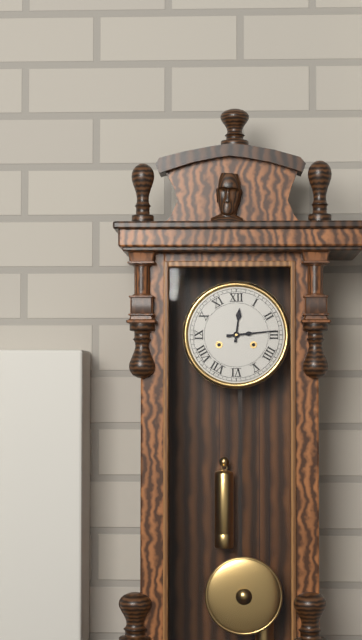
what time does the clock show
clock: 12:14
